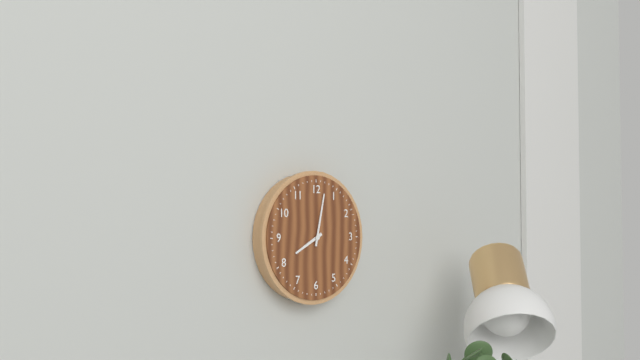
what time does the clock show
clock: 8:02
